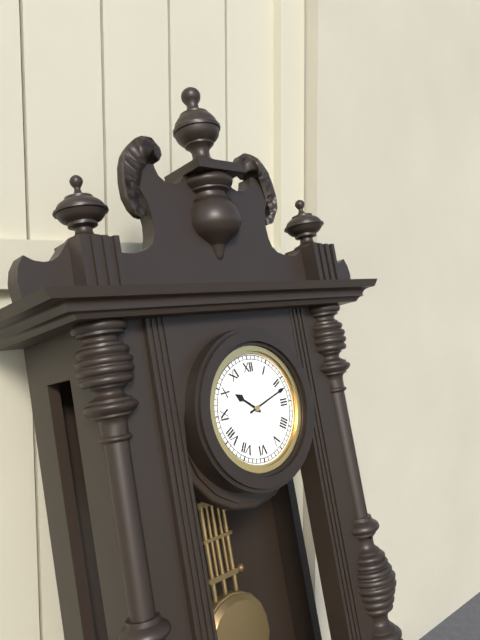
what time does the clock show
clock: 10:12
